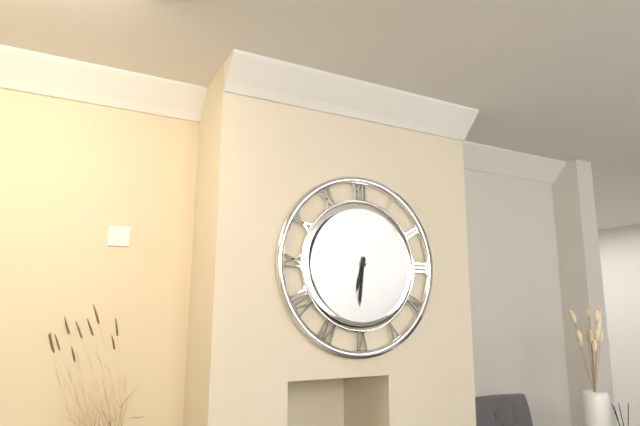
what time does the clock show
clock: 6:31
